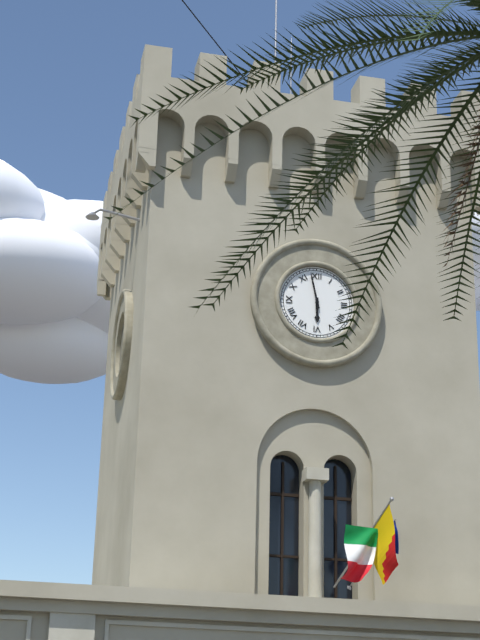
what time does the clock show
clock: 5:58
